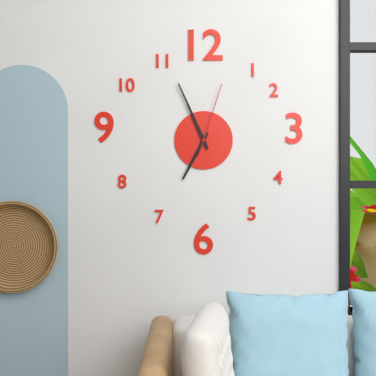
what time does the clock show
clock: 6:56:03
